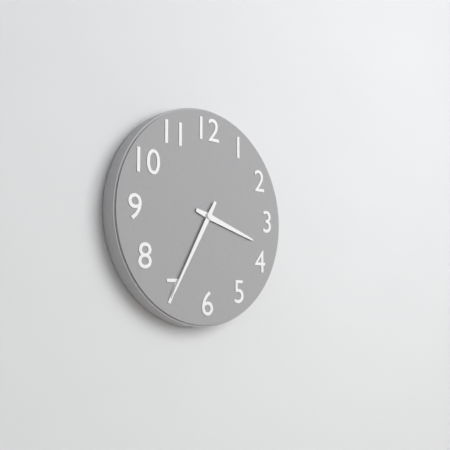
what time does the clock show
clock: 3:35
